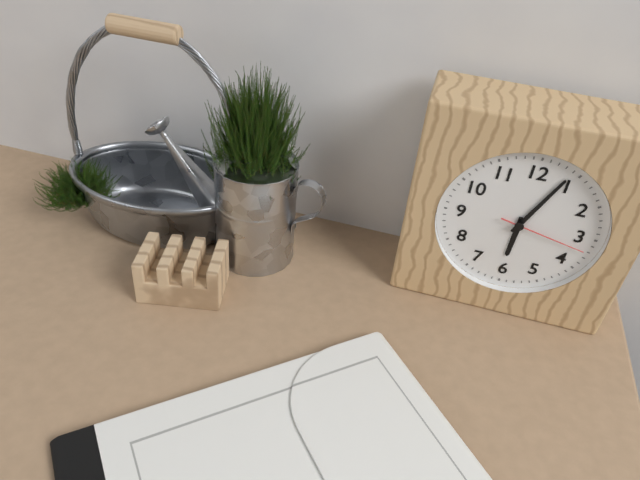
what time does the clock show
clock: 6:04:17
